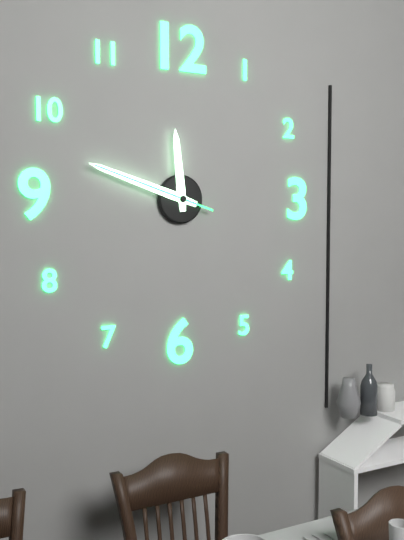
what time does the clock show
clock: 11:48:48
